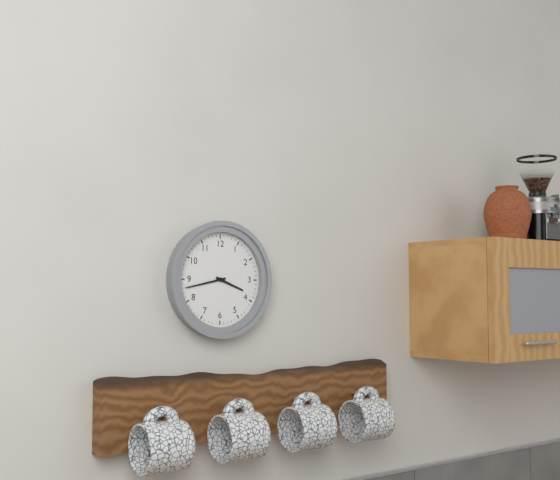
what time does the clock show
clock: 3:43
